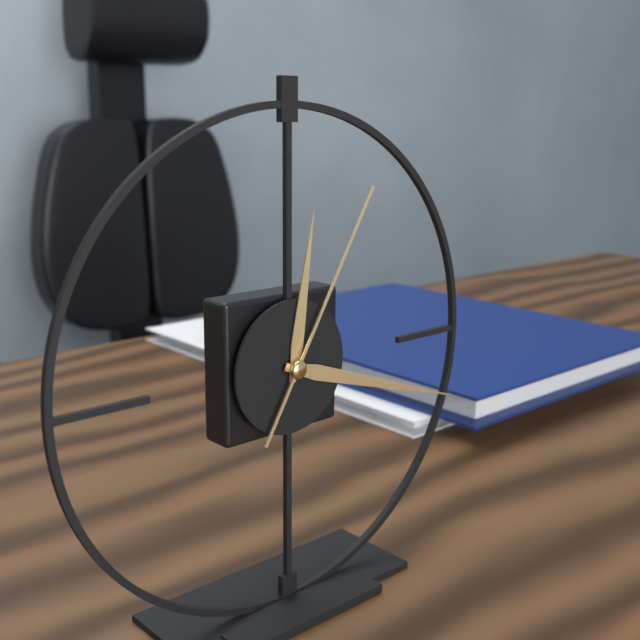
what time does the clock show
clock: 12:18:05
